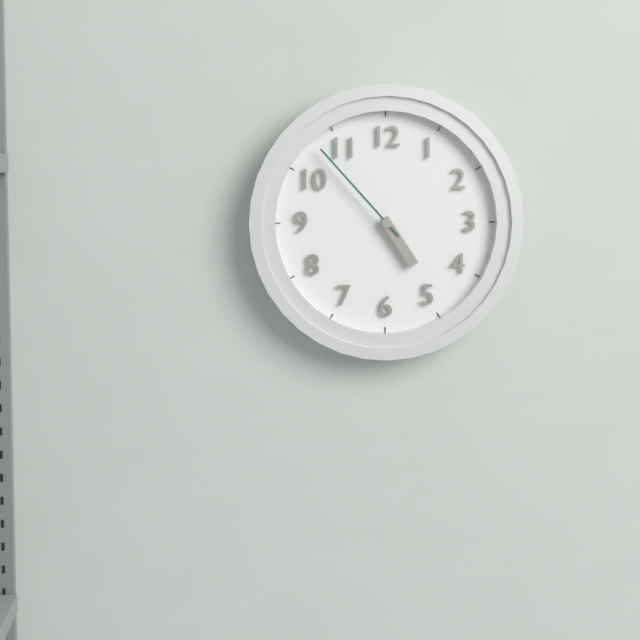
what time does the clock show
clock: 4:53
